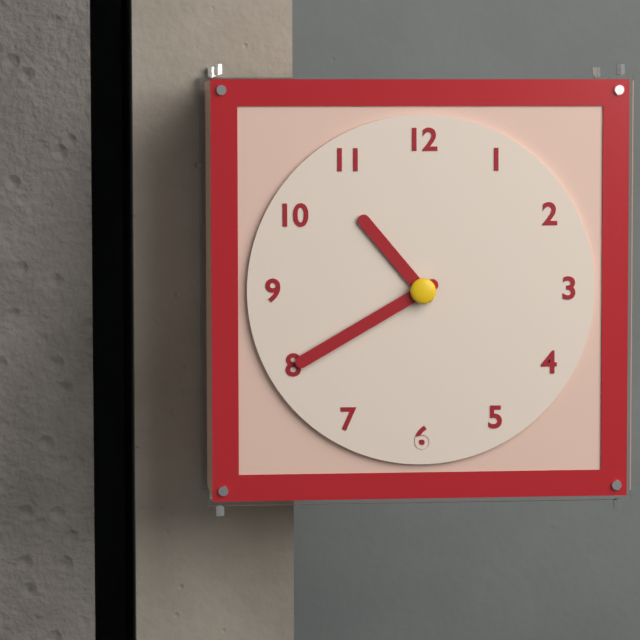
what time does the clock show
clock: 10:40
